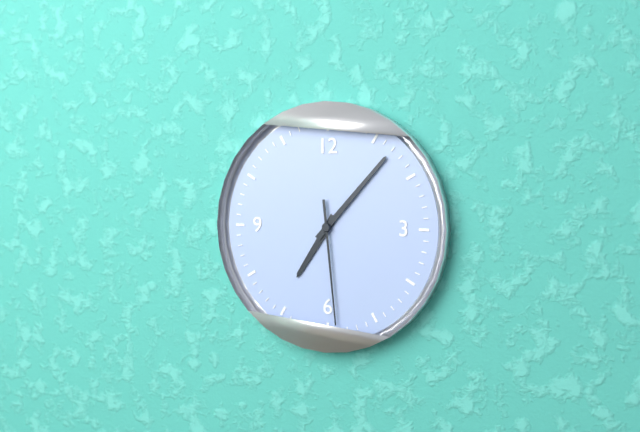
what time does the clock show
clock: 7:07:29
